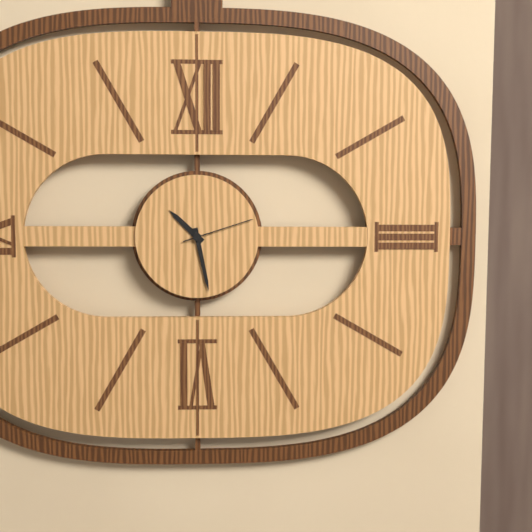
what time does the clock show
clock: 10:28:12
